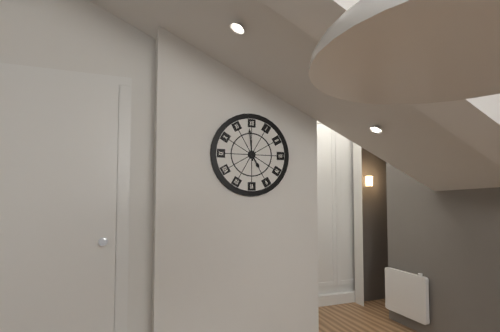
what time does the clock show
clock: 4:59
